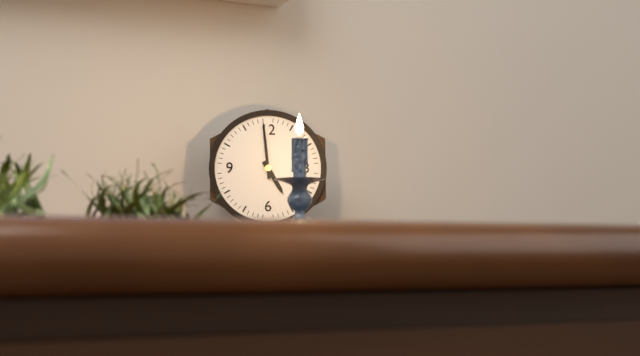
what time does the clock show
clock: 4:59
